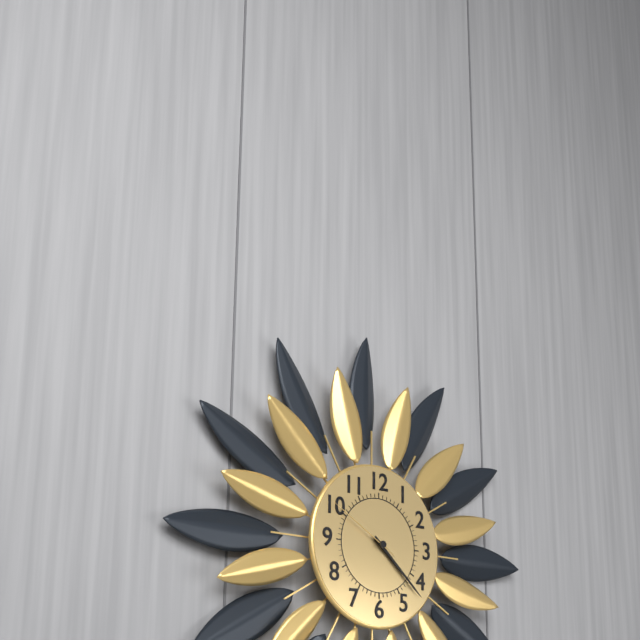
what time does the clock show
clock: 4:22:50
